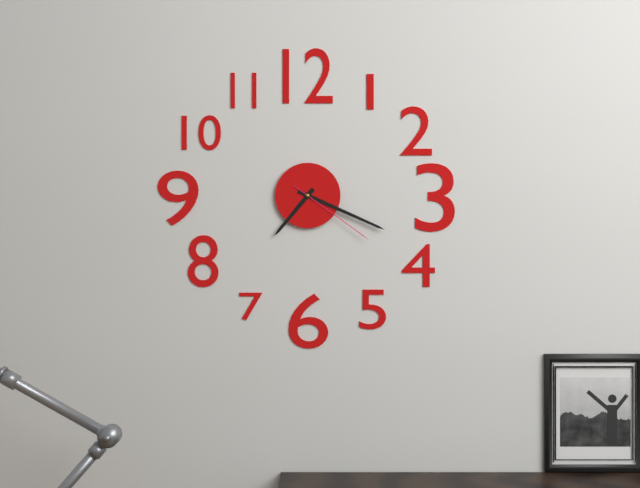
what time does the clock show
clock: 7:19:21
